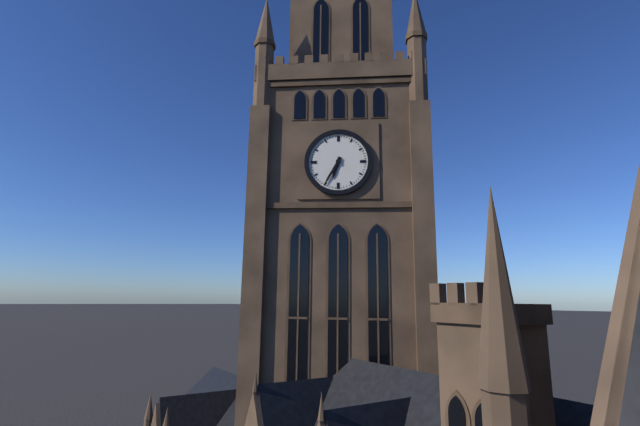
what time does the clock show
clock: 6:35
